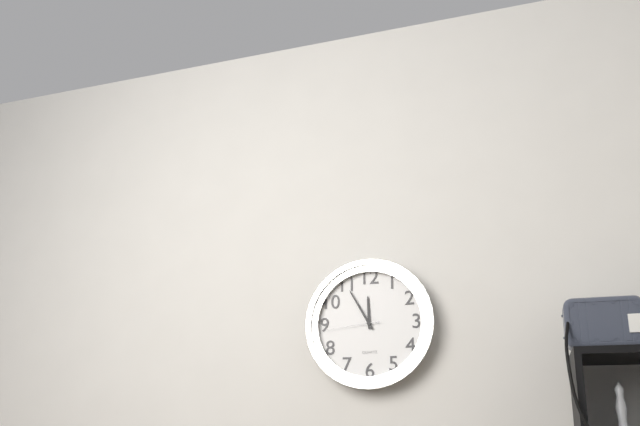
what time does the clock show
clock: 11:55:44
